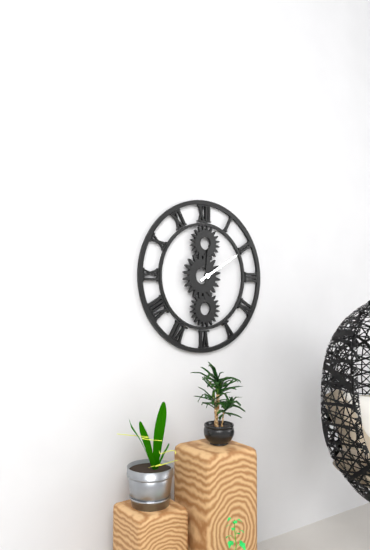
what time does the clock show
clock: 12:10
